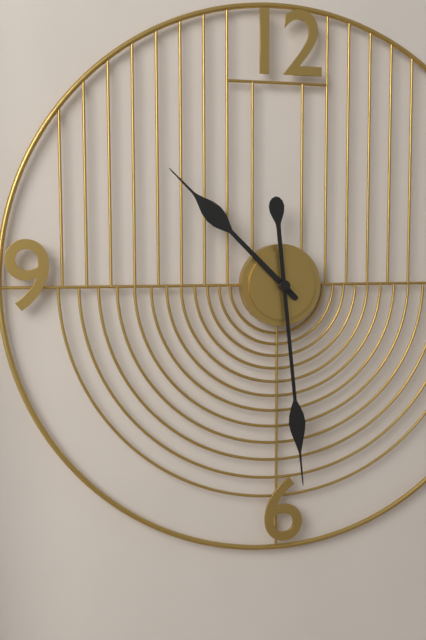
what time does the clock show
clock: 10:29
